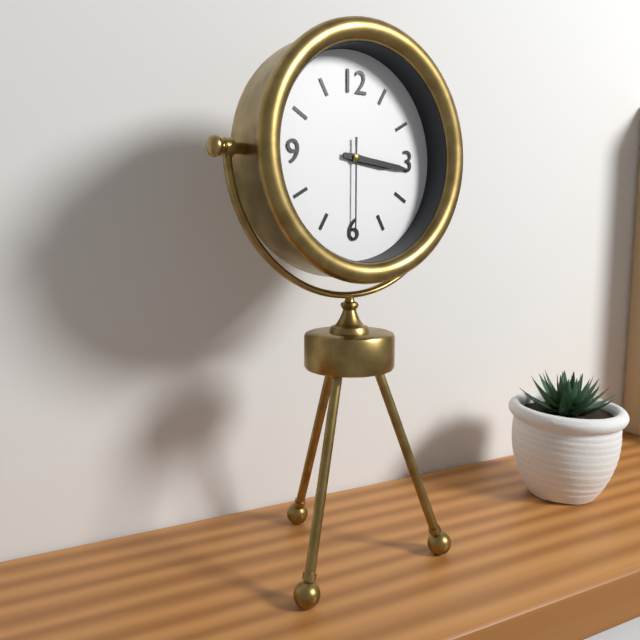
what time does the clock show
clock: 3:16:30
